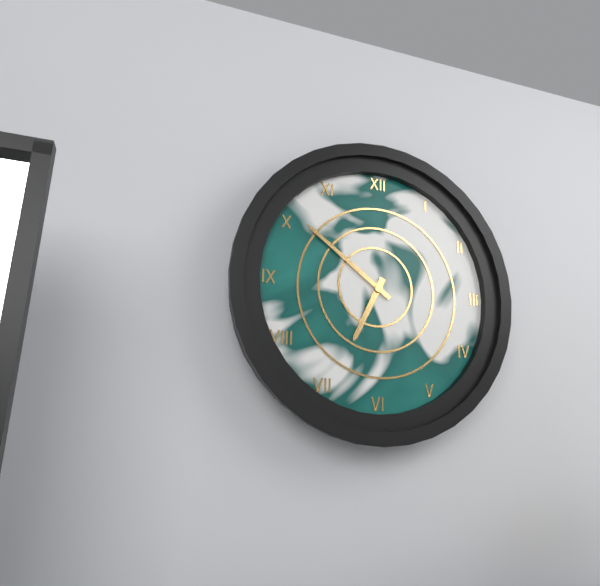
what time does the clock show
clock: 6:51
